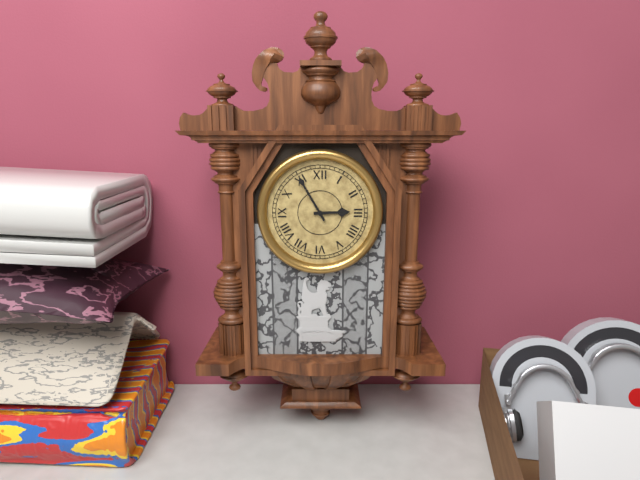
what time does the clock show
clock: 2:55
